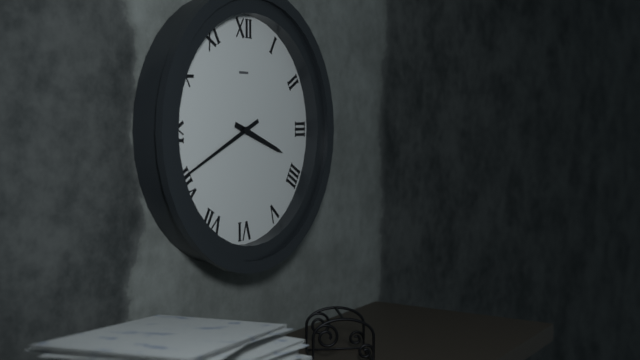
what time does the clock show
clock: 3:41
